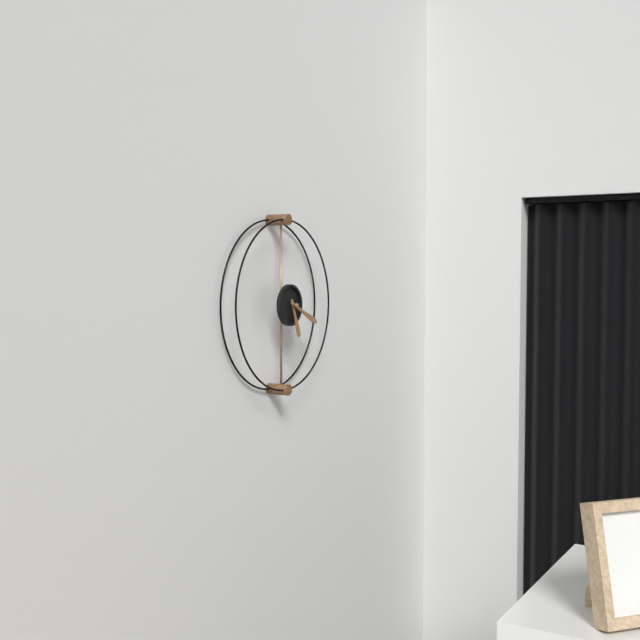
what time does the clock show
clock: 5:19
